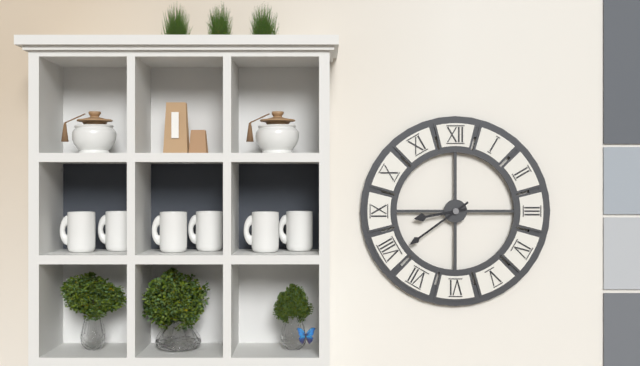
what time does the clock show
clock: 8:39
